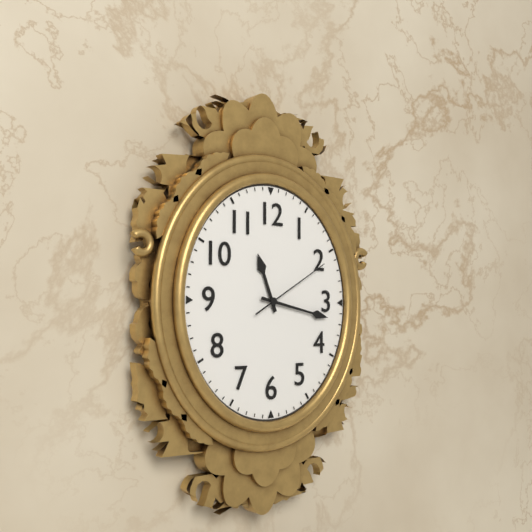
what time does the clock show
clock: 11:17:10
